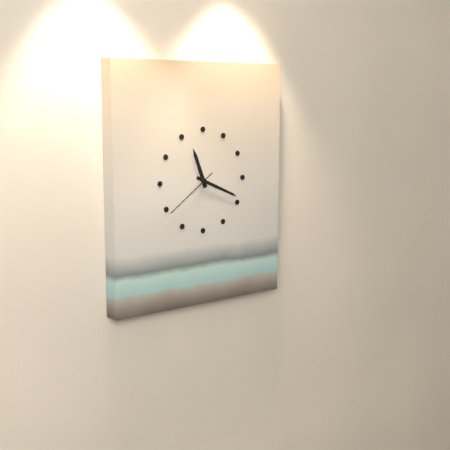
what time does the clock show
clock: 11:19:39
